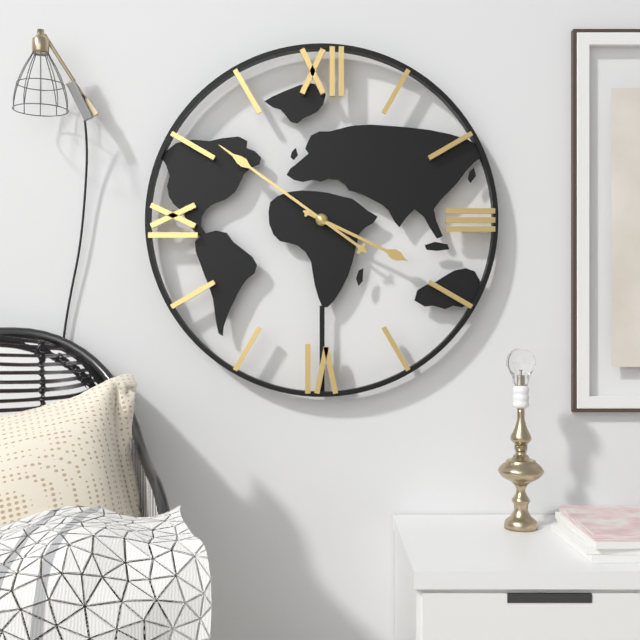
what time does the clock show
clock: 3:51
